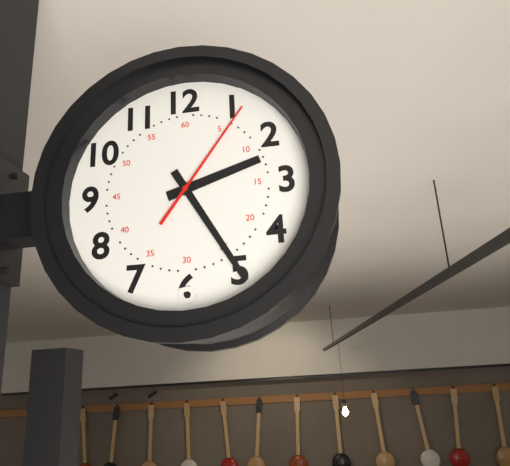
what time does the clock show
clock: 2:25:06
